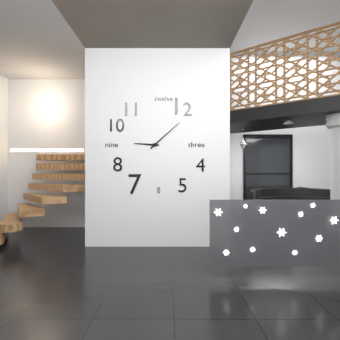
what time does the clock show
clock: 9:08
